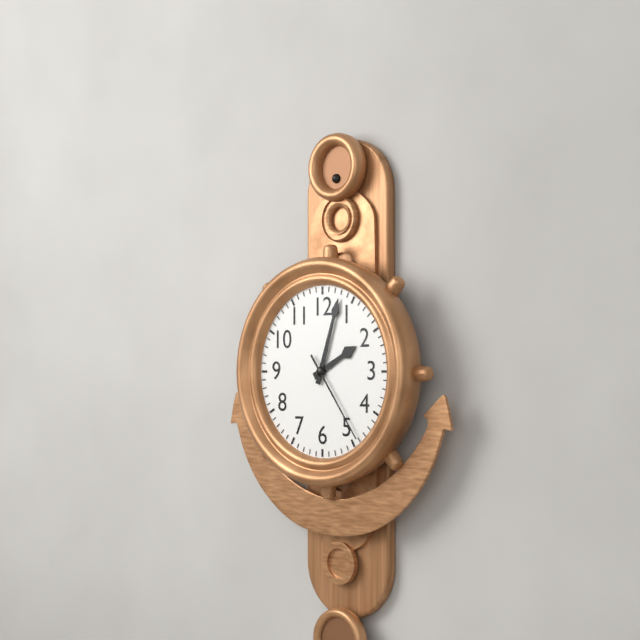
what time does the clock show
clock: 2:03:24
